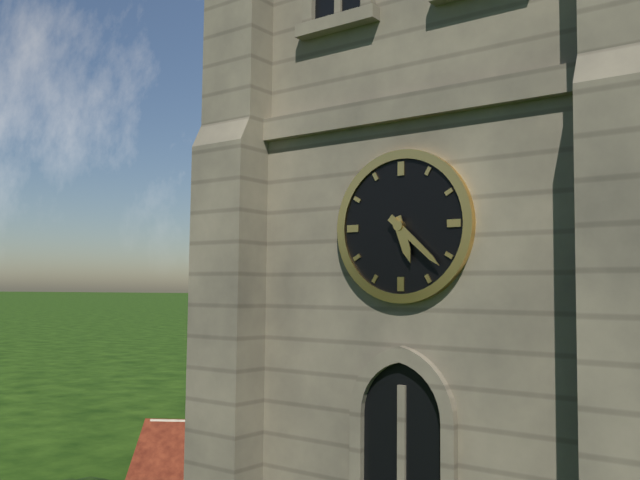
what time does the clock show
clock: 5:22
